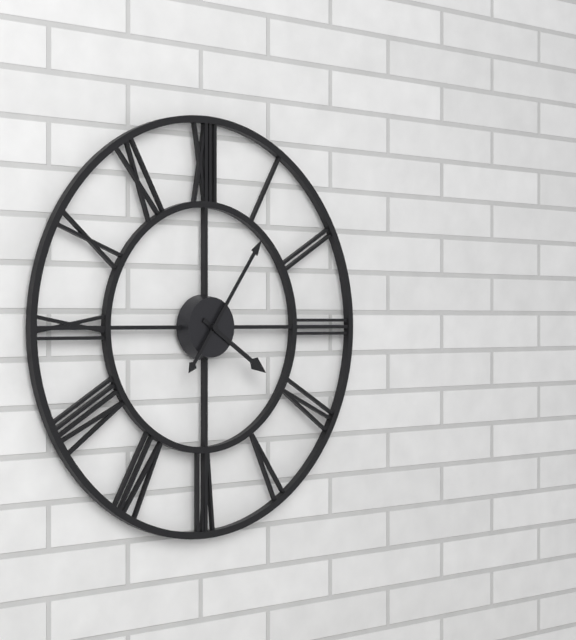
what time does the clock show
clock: 4:06
